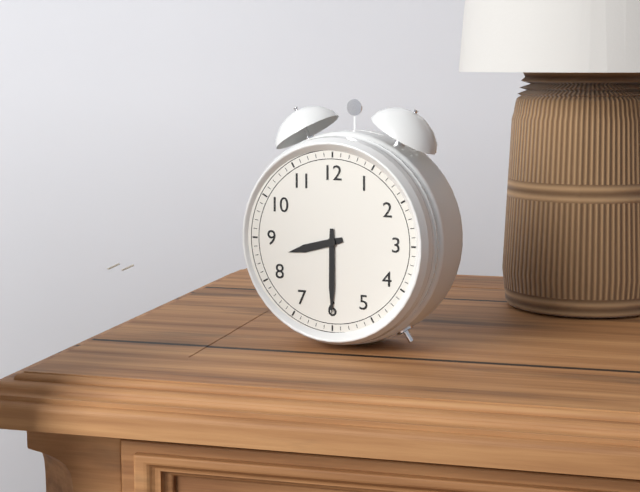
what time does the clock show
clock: 8:30
